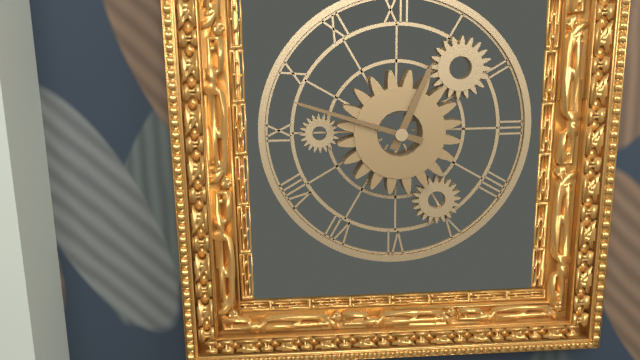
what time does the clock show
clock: 12:48
